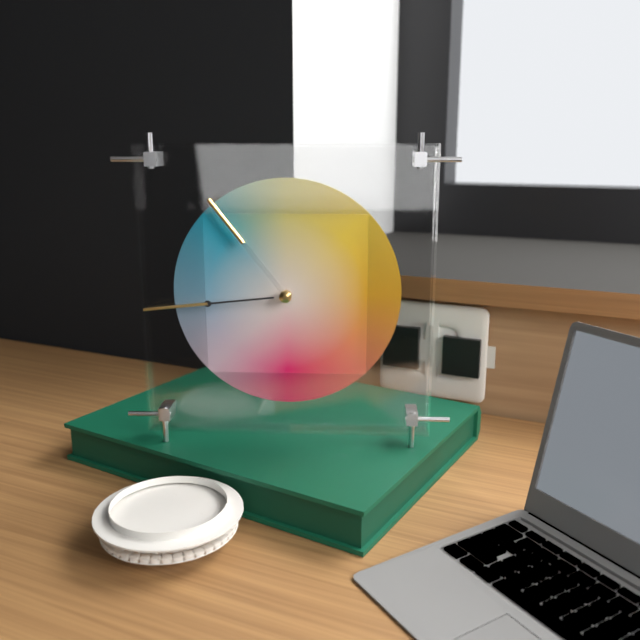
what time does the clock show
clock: 10:44
